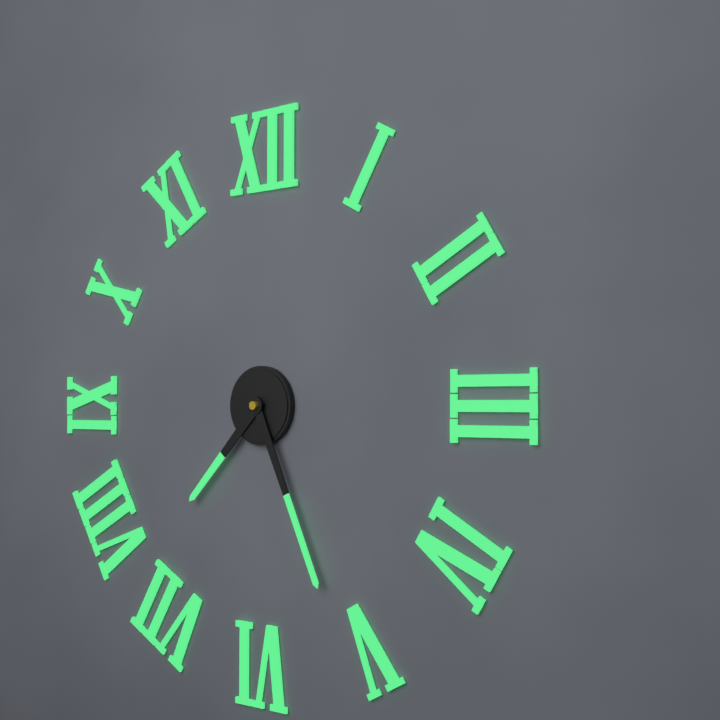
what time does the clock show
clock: 7:26
